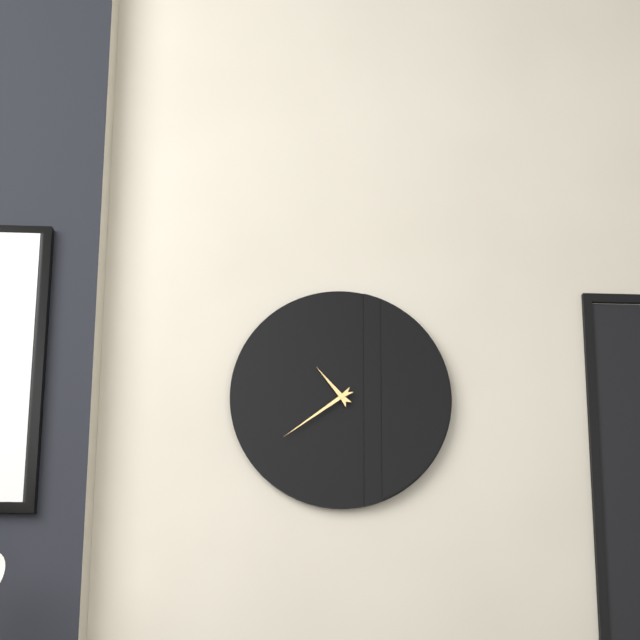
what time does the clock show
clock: 10:39
